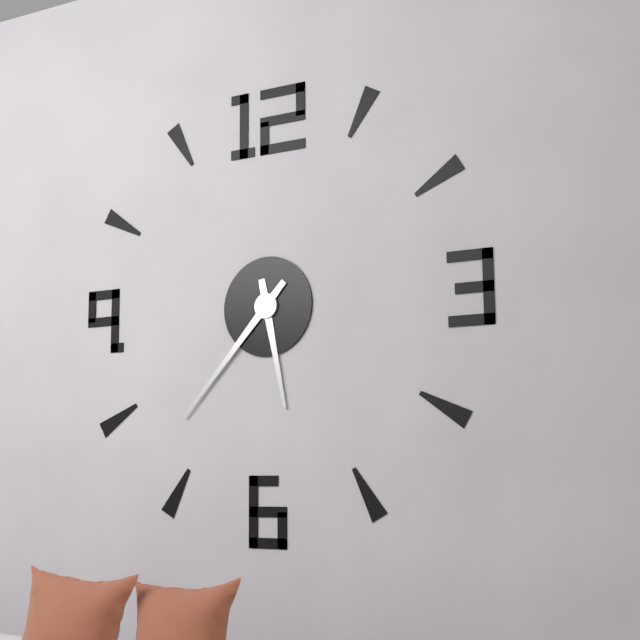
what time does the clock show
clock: 5:37
